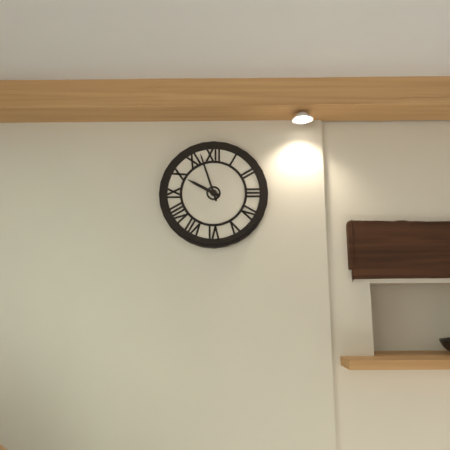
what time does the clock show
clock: 9:57
